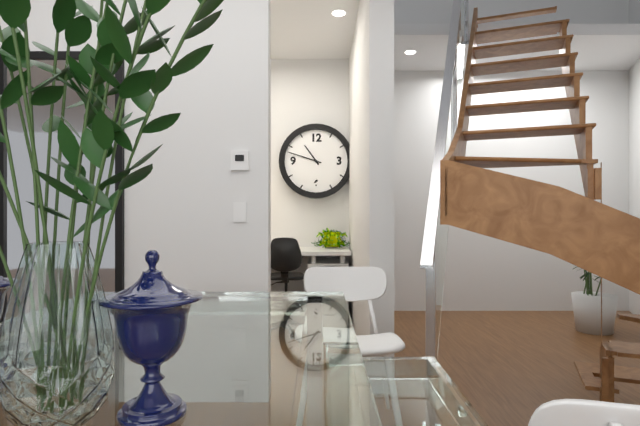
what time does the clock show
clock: 10:48
